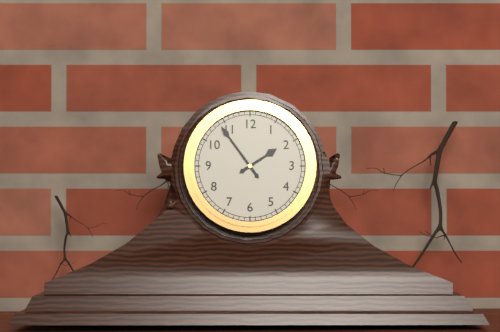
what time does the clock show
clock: 1:54
